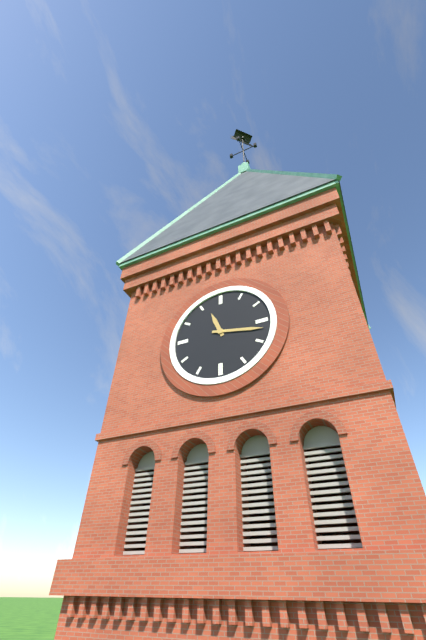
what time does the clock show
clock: 11:17
